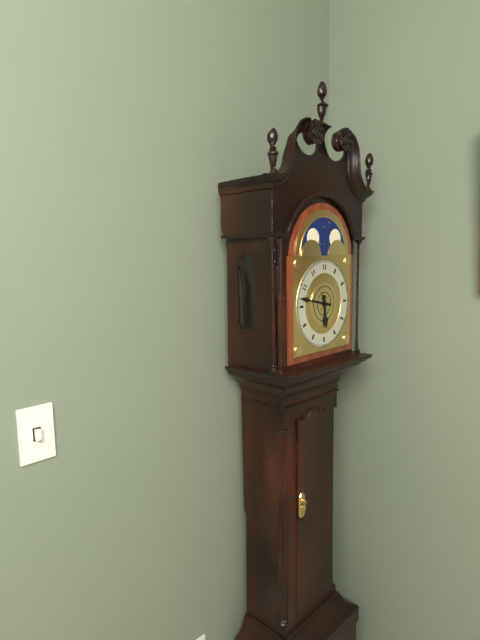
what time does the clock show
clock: 5:47
